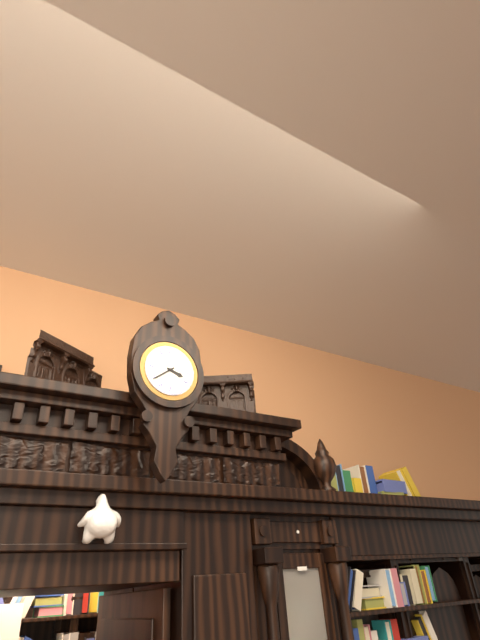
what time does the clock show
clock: 3:39
